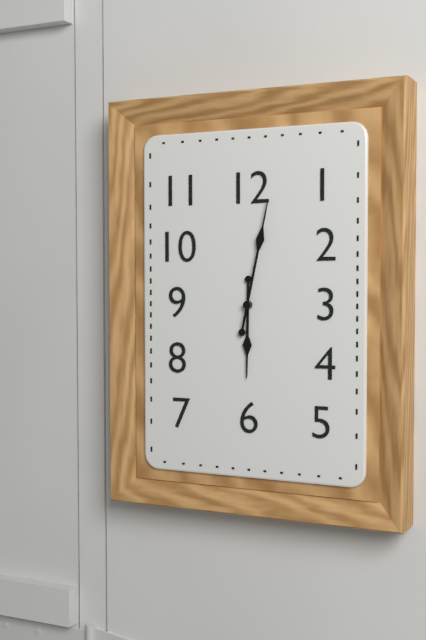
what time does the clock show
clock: 6:02
